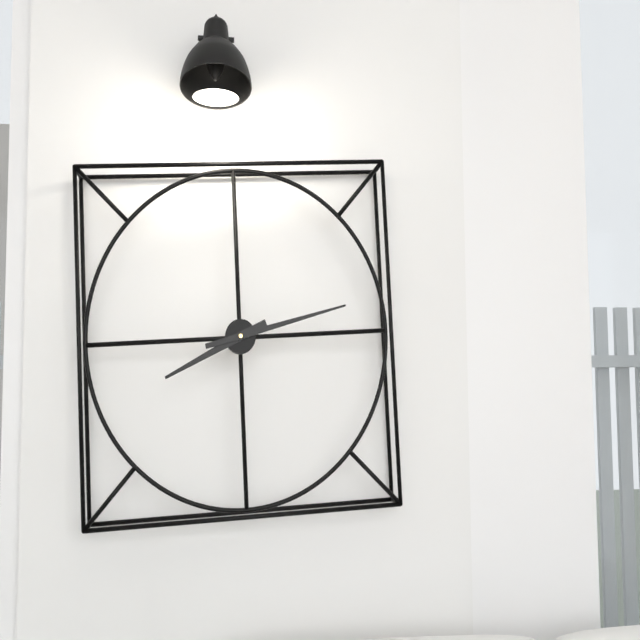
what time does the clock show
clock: 8:13
